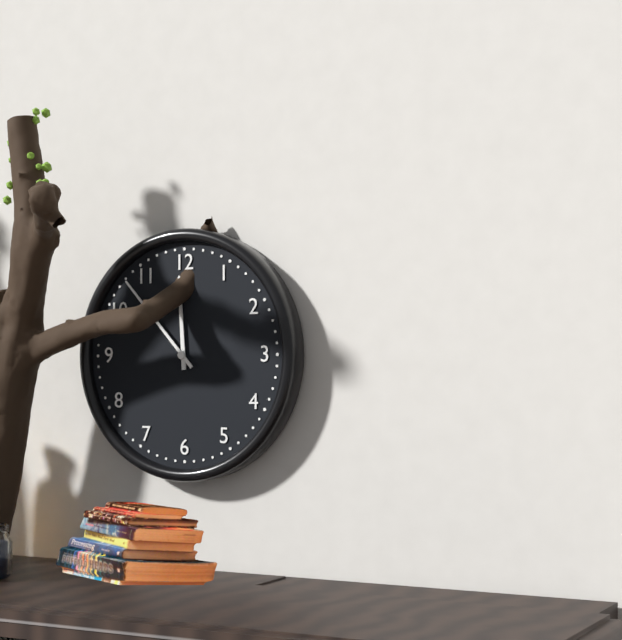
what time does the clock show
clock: 11:53
